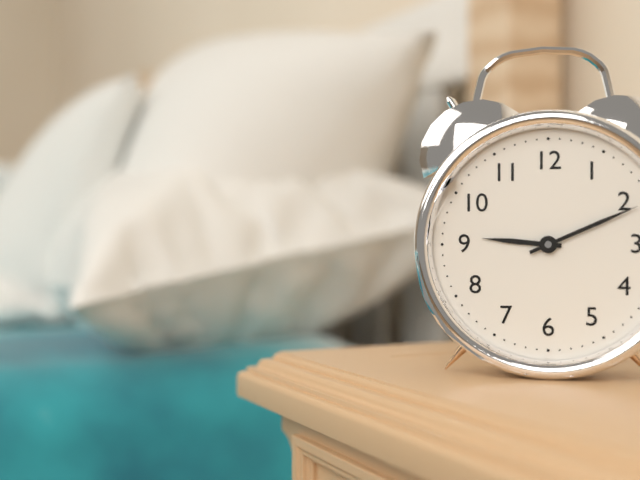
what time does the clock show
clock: 9:11
